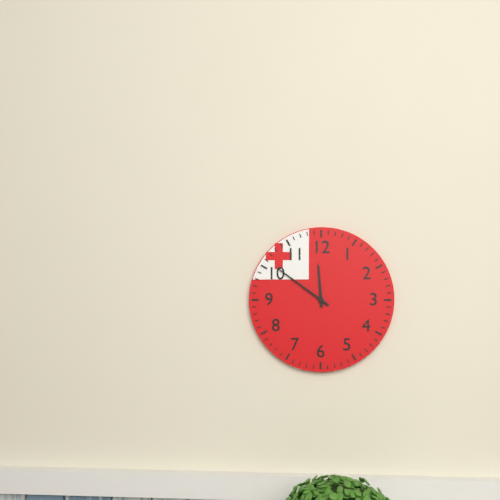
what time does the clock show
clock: 11:51
